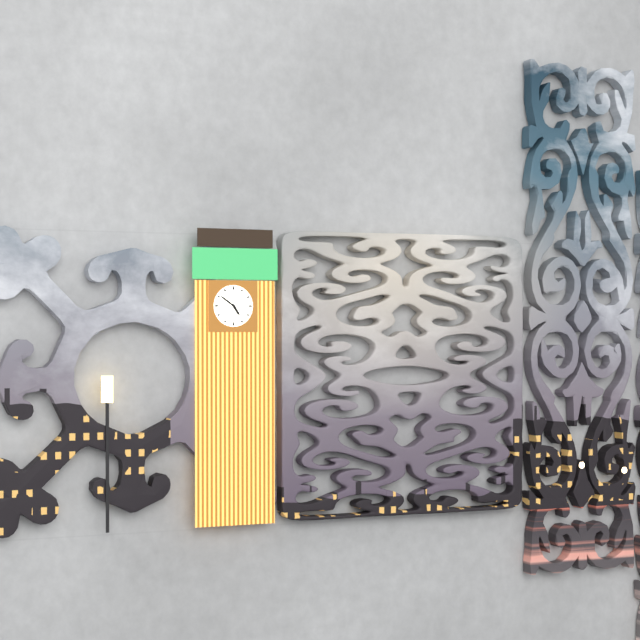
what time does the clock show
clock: 4:51
